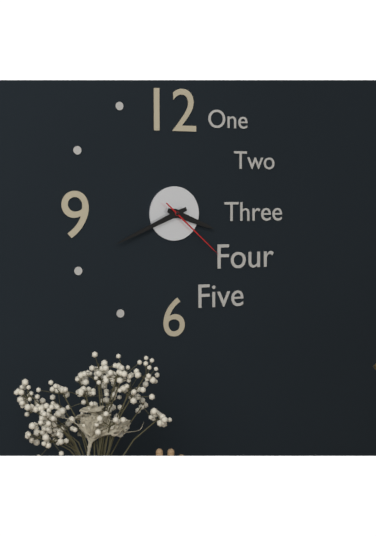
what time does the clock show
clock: 3:41:22
